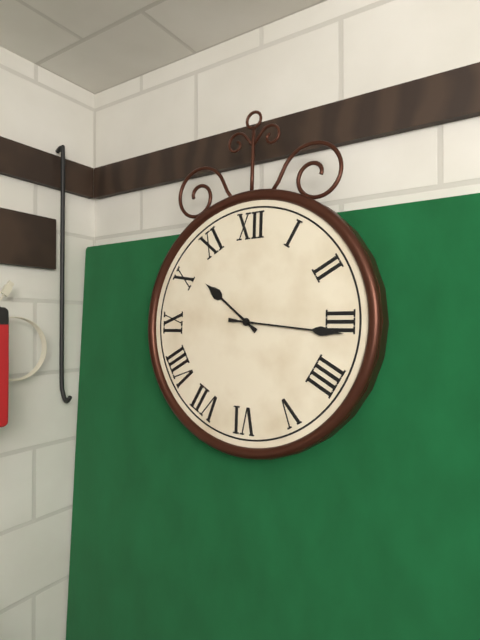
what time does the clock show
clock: 10:16
